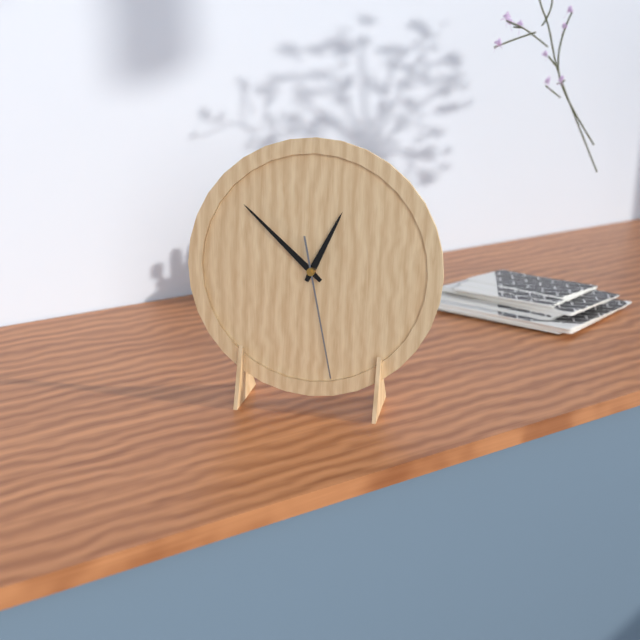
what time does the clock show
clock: 12:52:28
